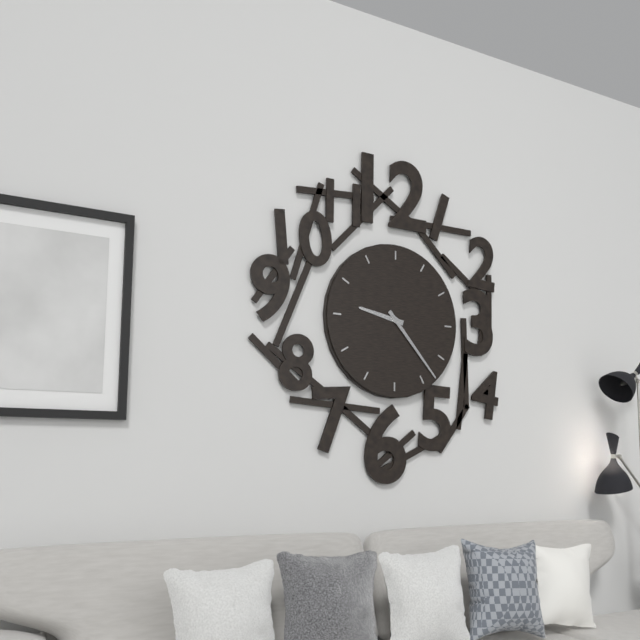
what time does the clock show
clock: 9:23
